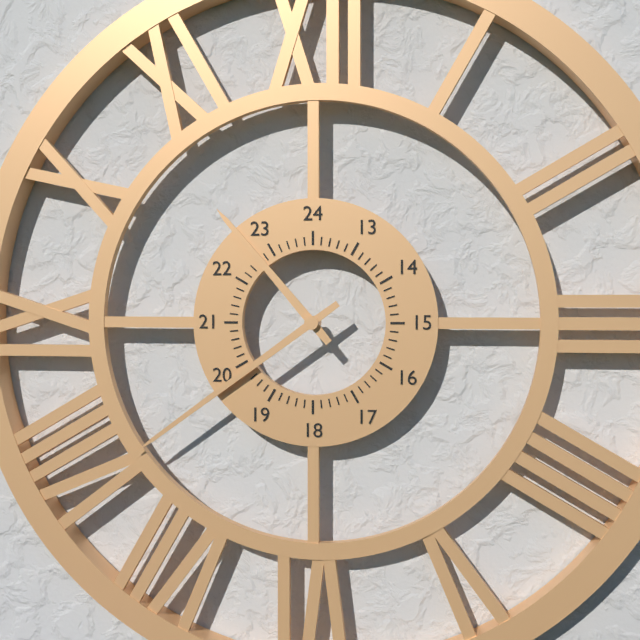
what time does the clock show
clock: 10:39
